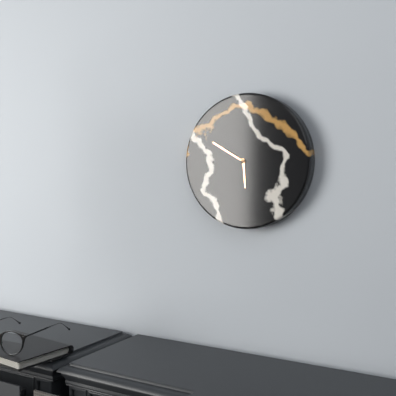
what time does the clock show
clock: 5:50
